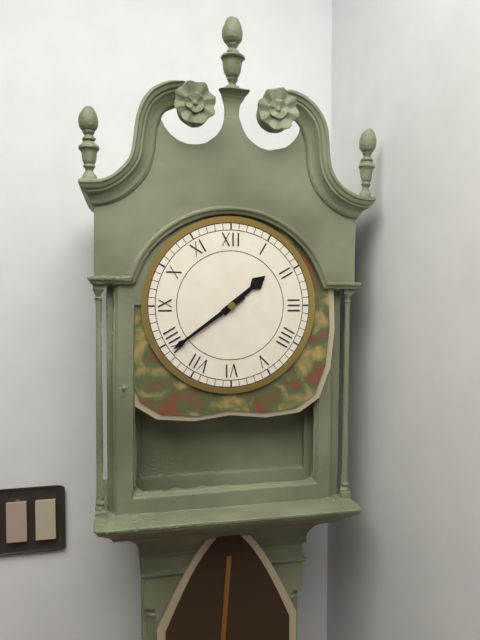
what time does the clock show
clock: 1:39
